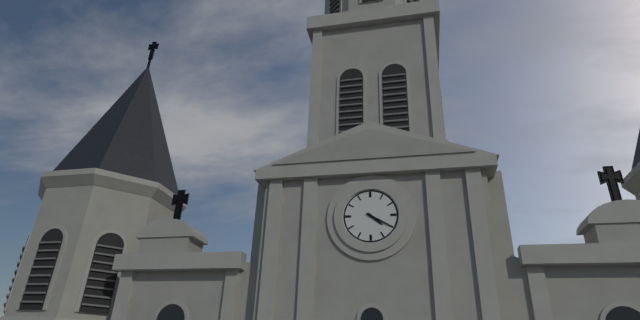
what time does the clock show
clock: 4:20
